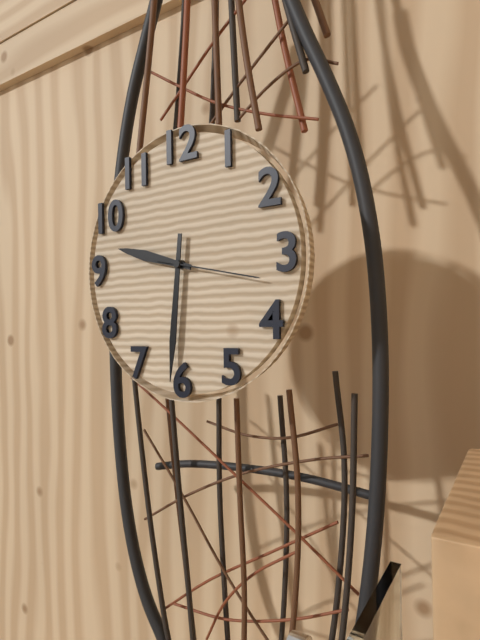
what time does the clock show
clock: 9:31:17
